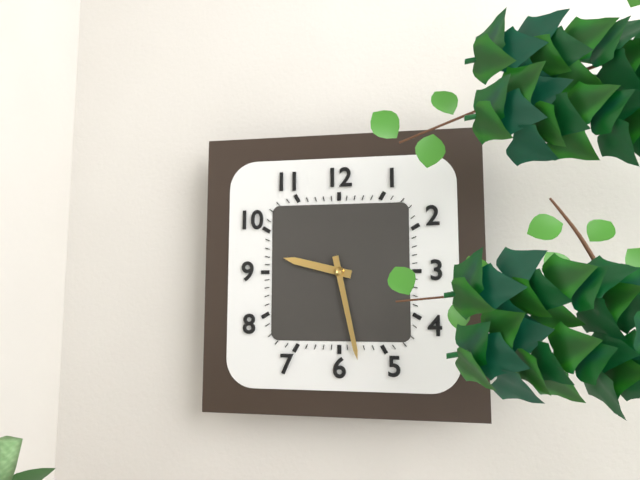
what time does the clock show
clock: 9:28
